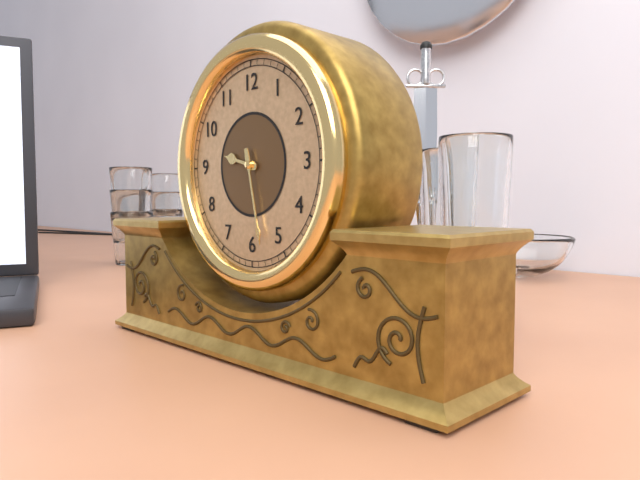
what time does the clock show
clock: 9:28
